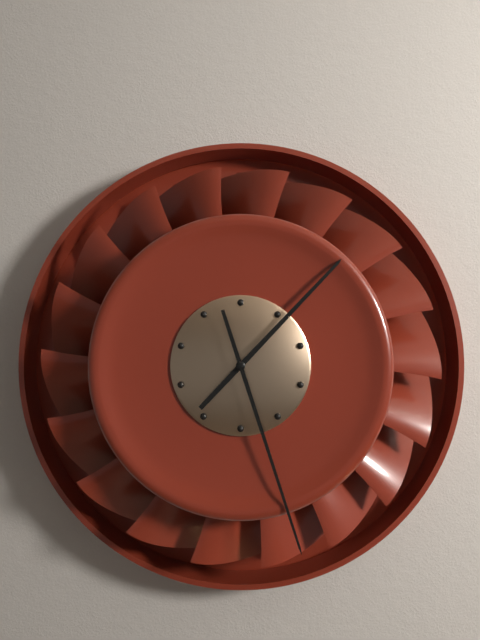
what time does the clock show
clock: 1:27
